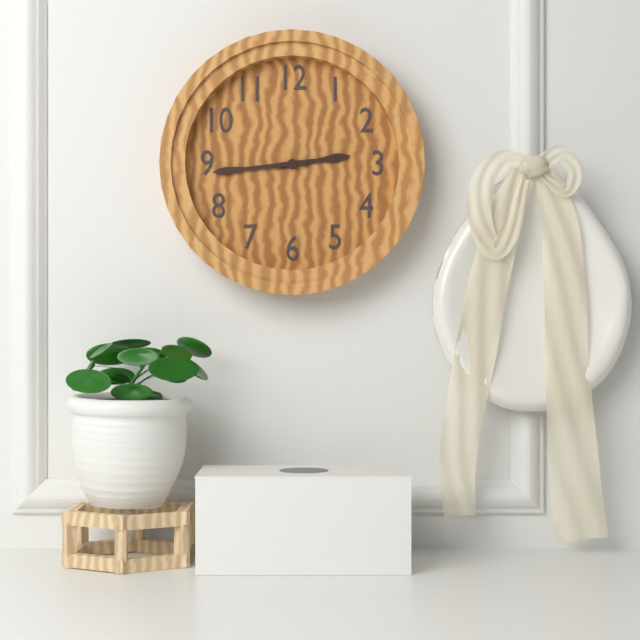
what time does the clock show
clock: 2:44
